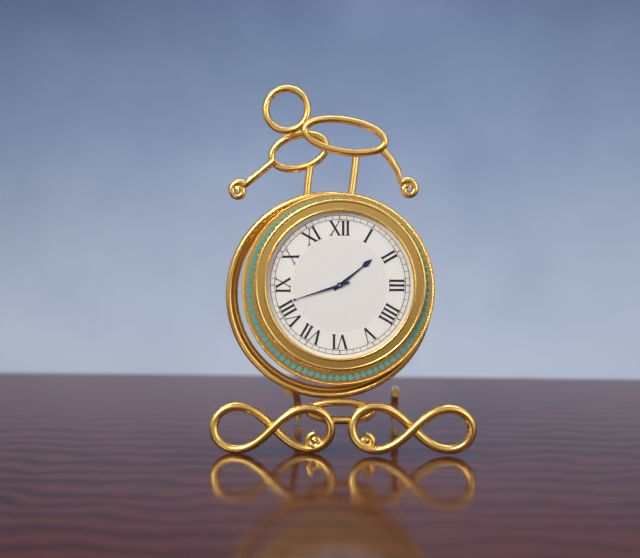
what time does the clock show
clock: 1:42
